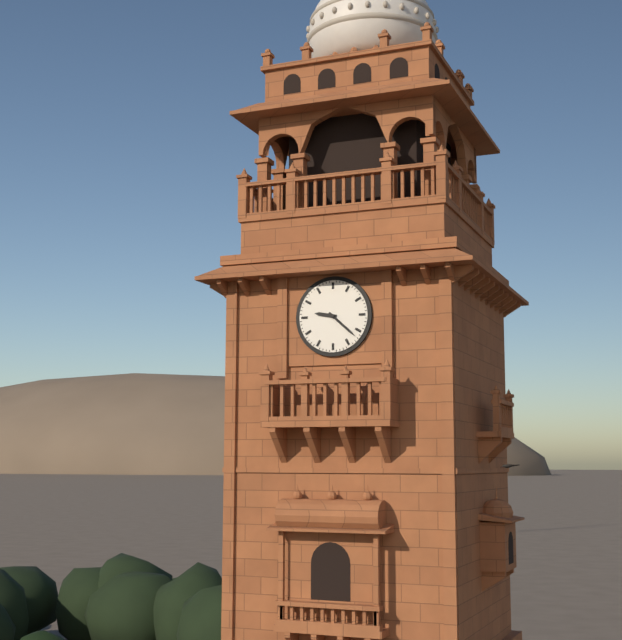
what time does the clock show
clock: 9:22
